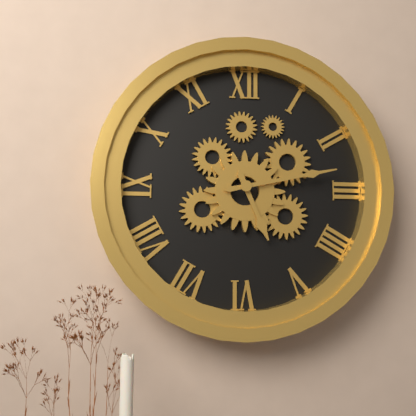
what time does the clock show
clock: 5:13
